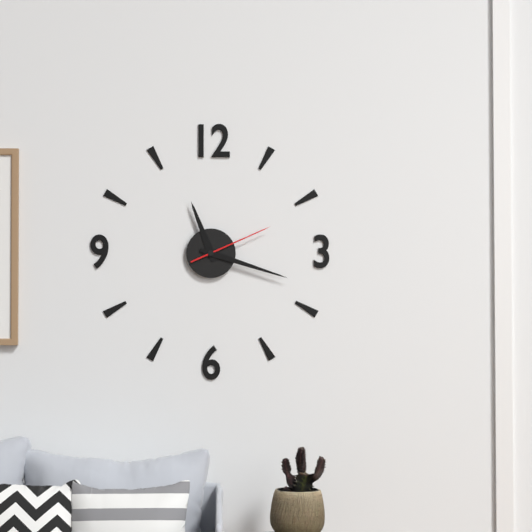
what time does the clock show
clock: 11:18:11
